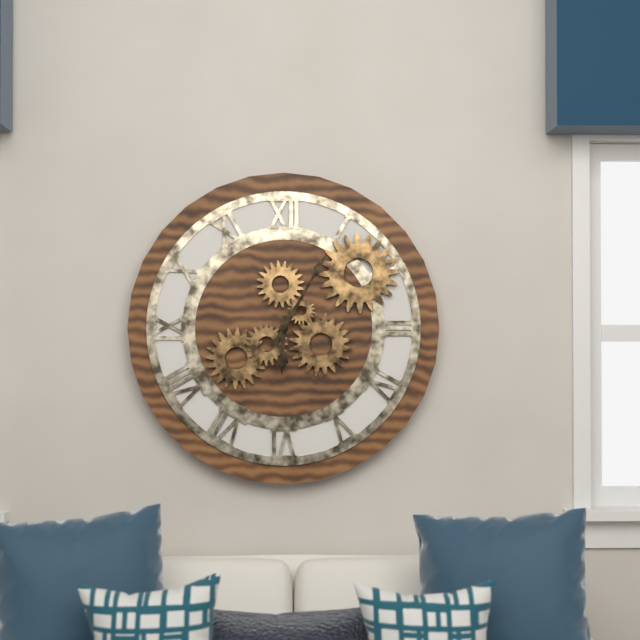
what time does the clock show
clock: 6:05
